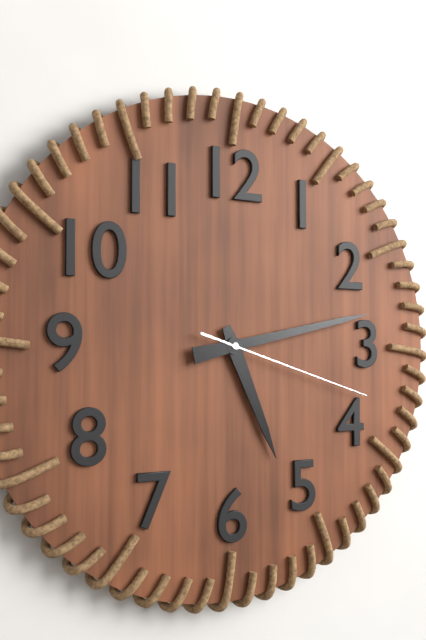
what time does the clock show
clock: 5:13:18
